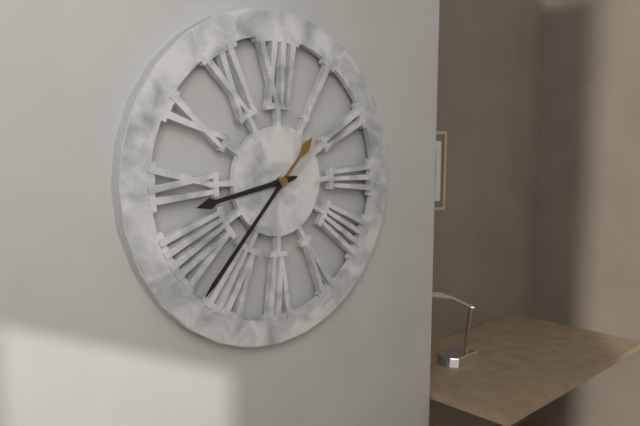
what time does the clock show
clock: 8:37
